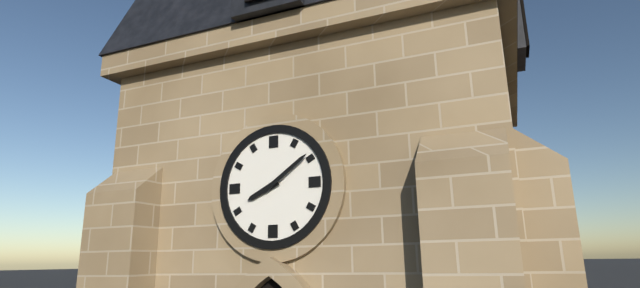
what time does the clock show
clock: 8:09
